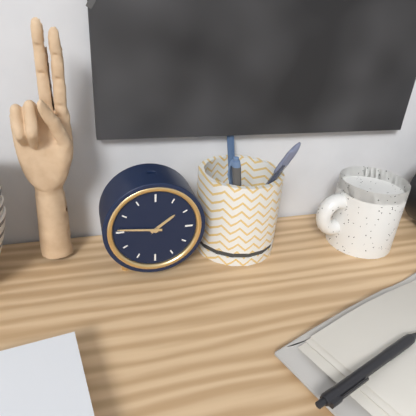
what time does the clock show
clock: 1:46
